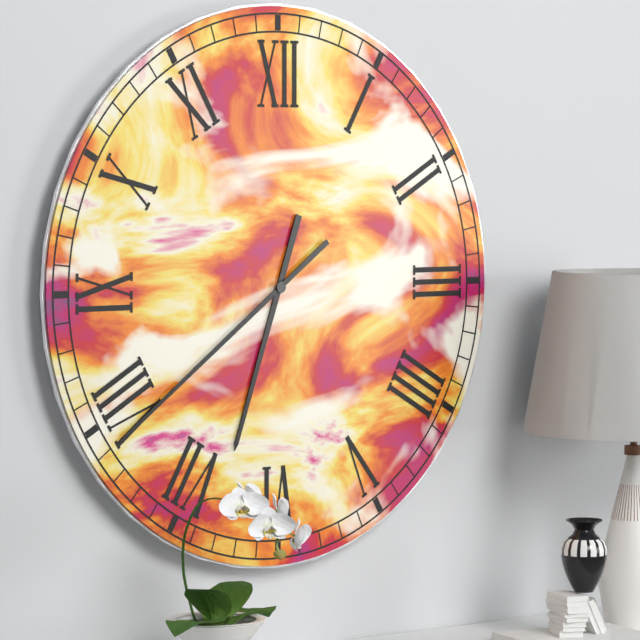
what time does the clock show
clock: 6:39
